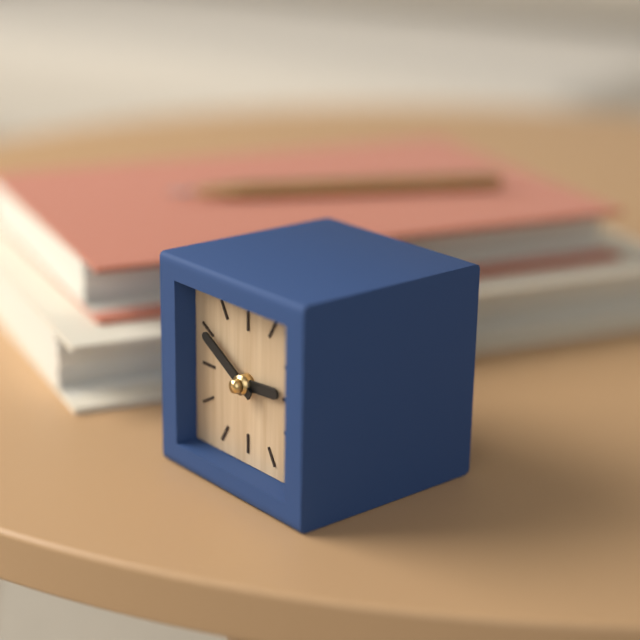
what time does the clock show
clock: 2:50
